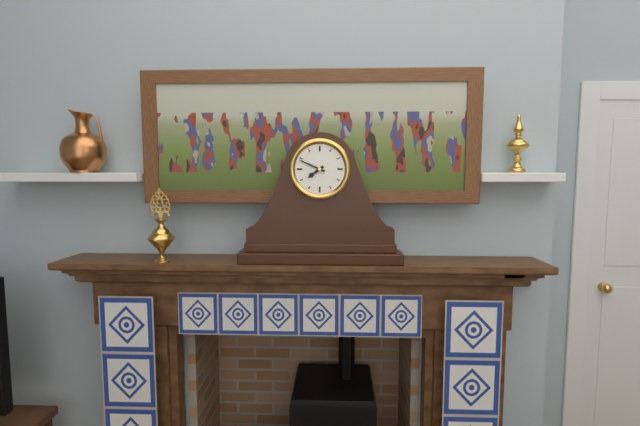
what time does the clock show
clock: 7:49
